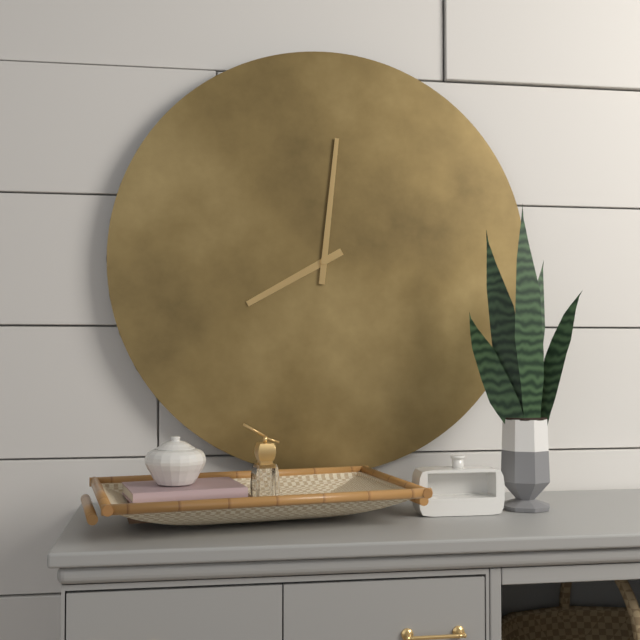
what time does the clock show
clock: 8:01
